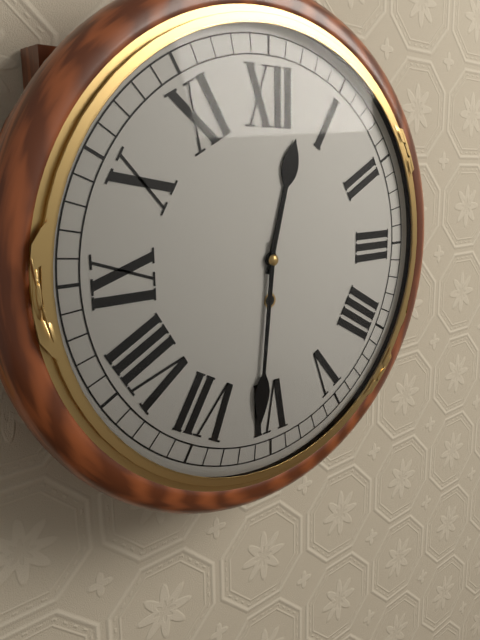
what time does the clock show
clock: 12:31
